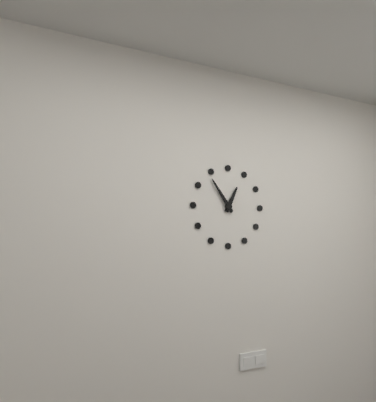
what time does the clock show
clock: 12:54
